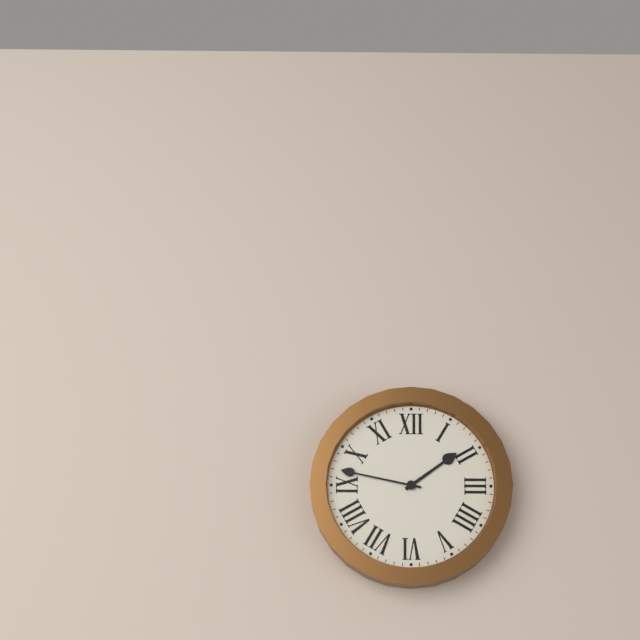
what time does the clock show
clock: 1:47
